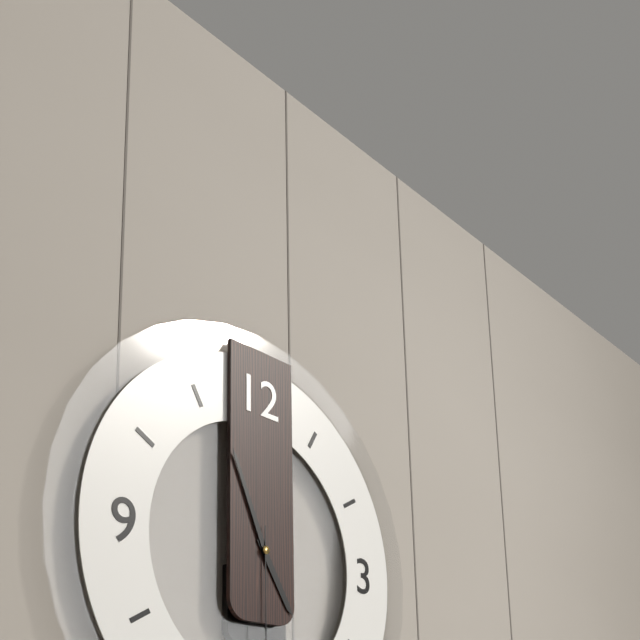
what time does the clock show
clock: 4:56
